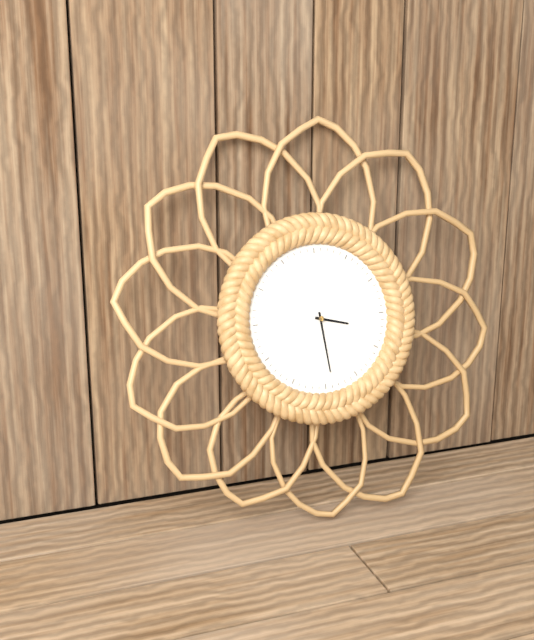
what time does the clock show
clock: 3:29
